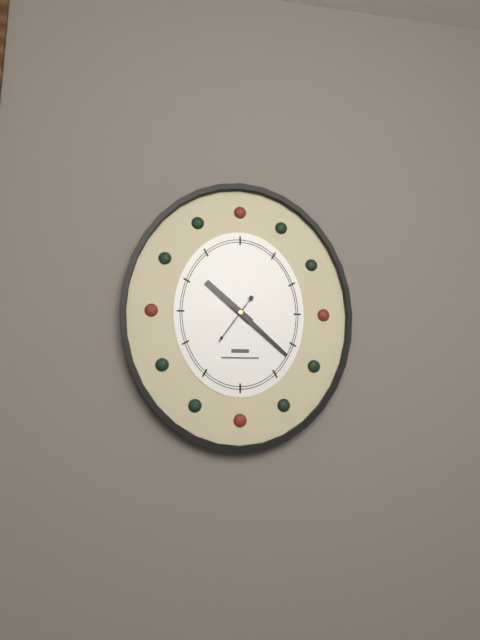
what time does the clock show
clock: 10:22
